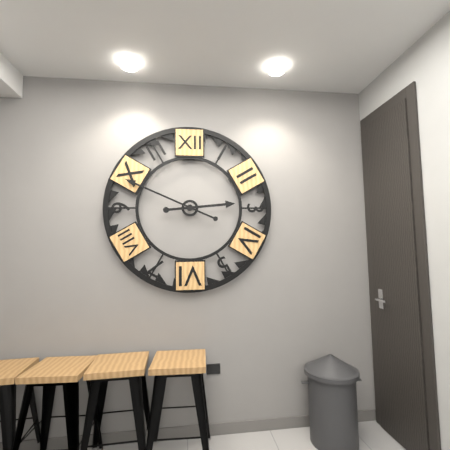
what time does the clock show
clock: 2:49
